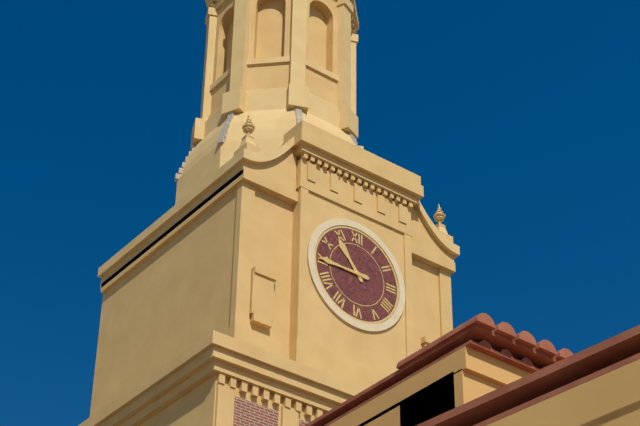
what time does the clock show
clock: 10:45
